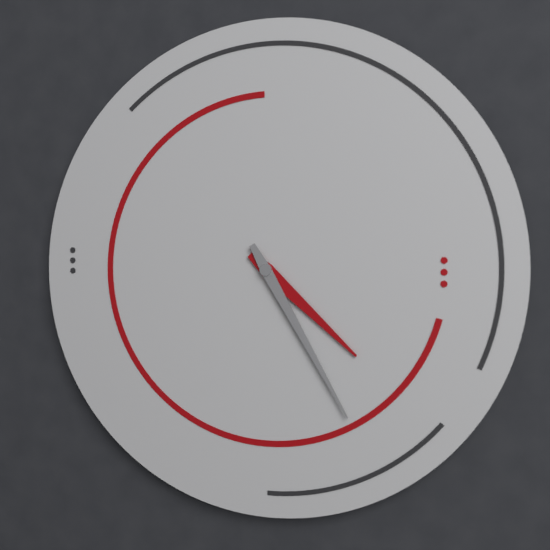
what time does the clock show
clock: 4:25
